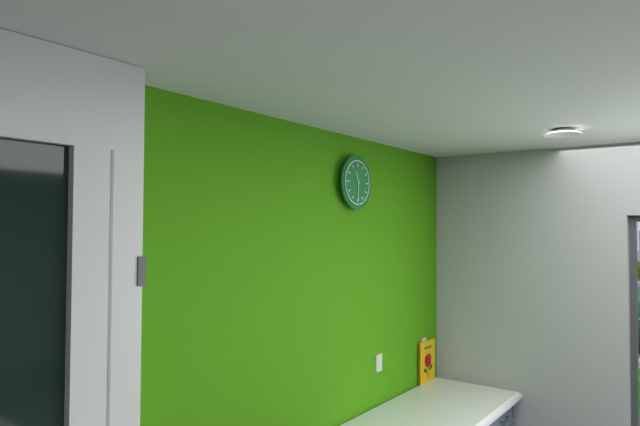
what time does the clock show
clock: 11:30
